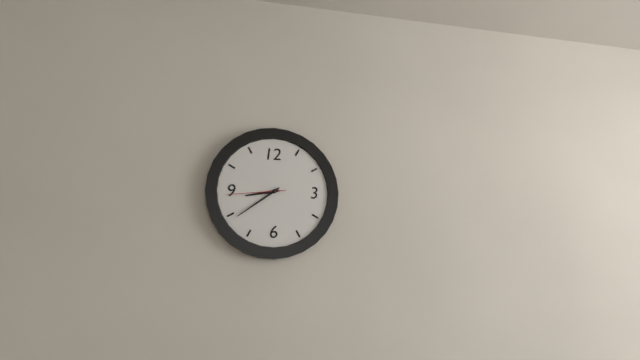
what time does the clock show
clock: 8:39:44
